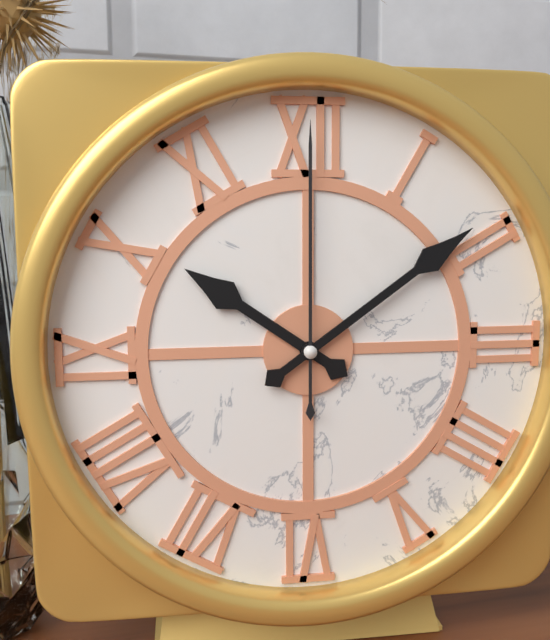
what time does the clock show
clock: 10:09:00
